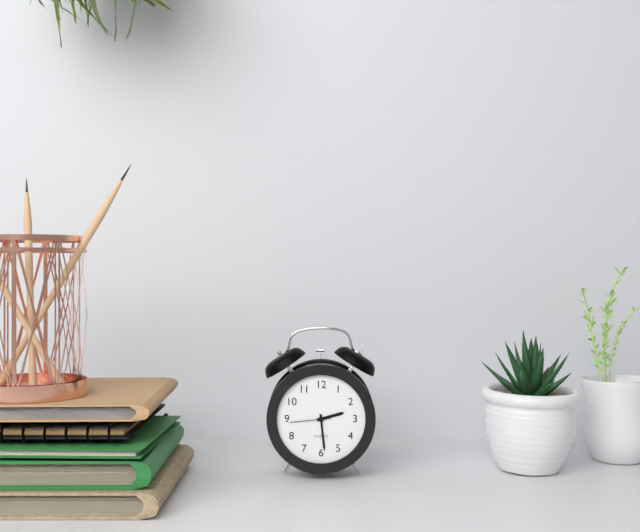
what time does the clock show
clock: 2:29
